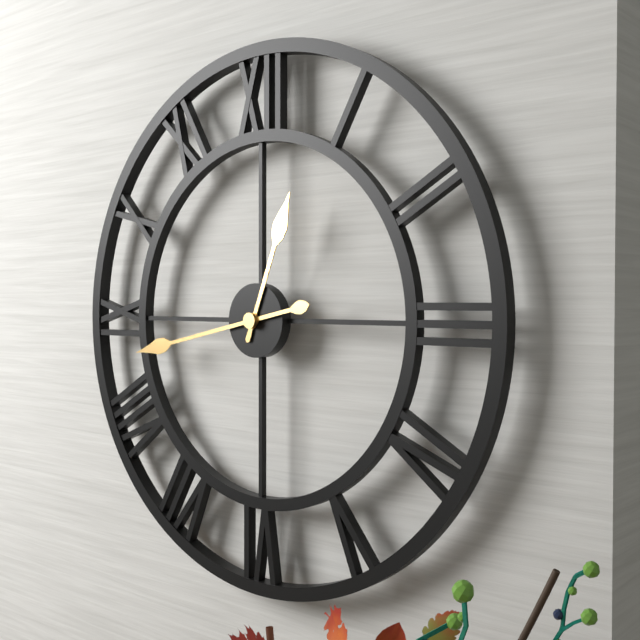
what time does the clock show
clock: 12:43
